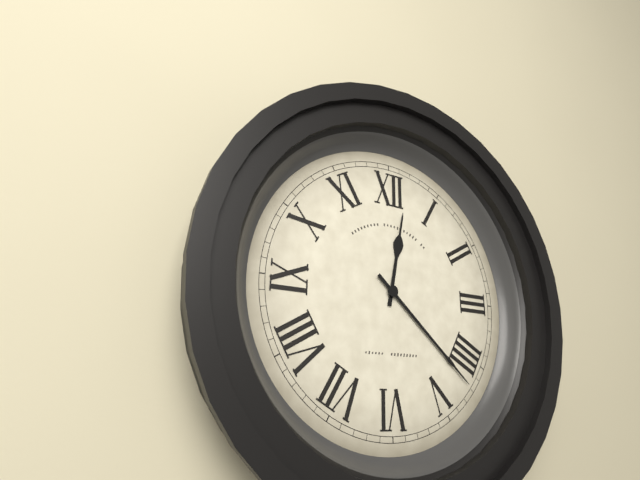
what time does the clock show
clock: 12:22
